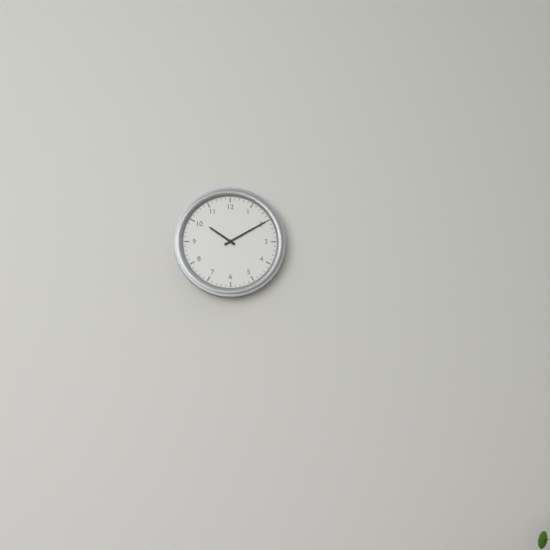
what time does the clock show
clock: 10:10
